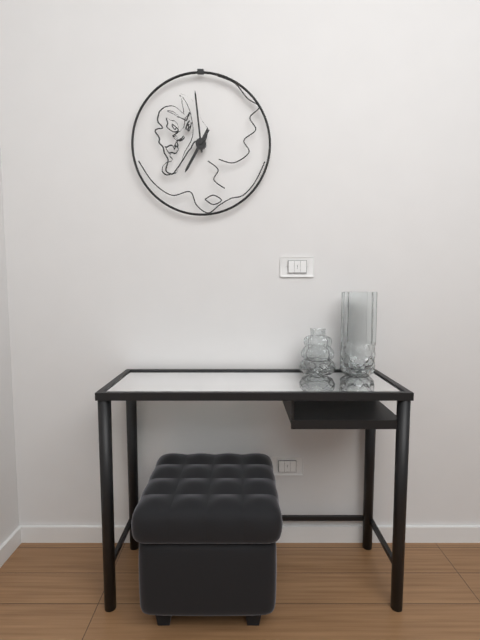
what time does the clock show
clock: 6:59
